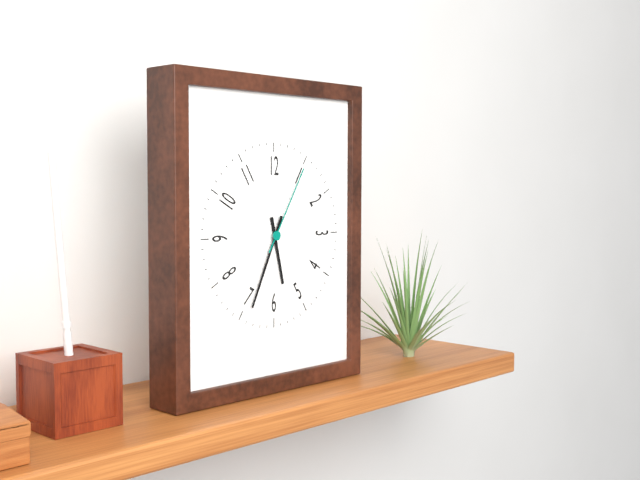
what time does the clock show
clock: 5:34:05
